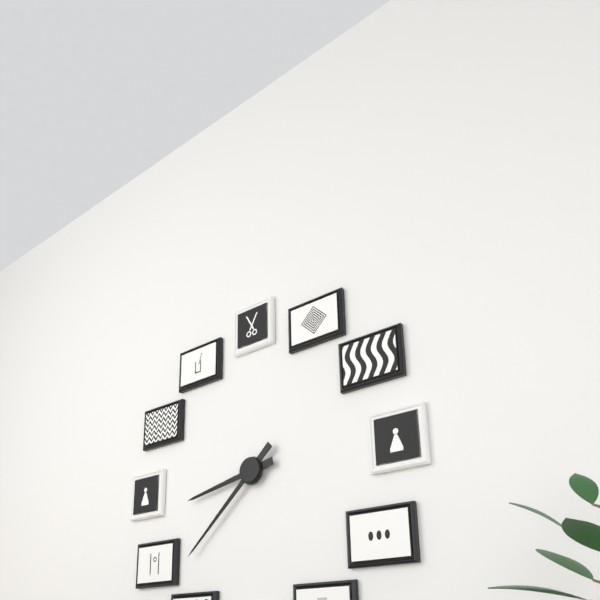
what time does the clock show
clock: 8:38
